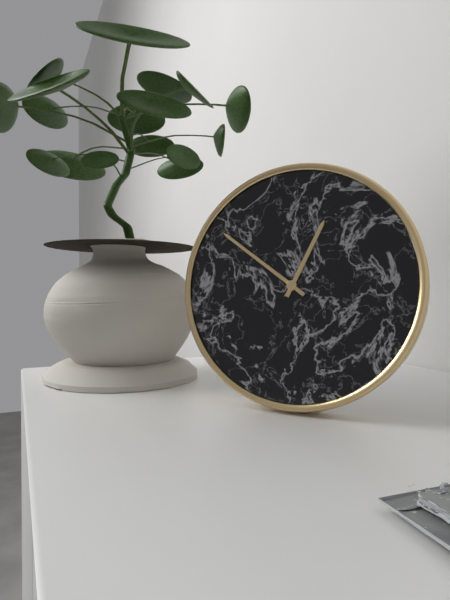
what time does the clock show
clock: 12:51
